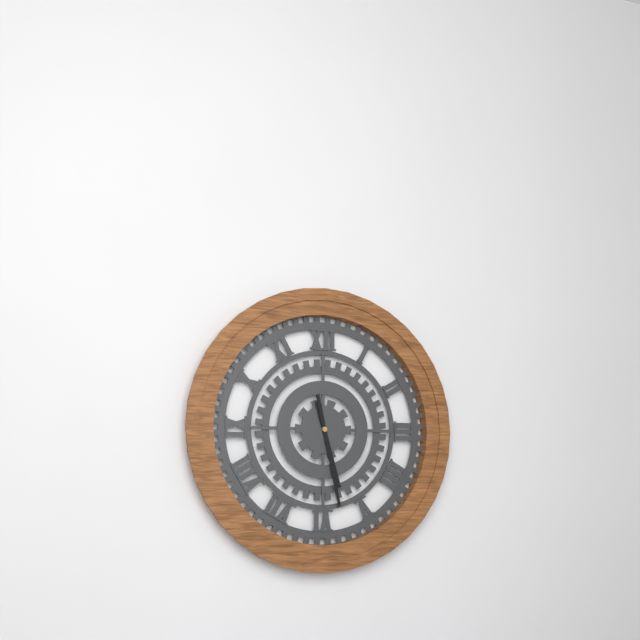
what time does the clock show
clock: 5:28
